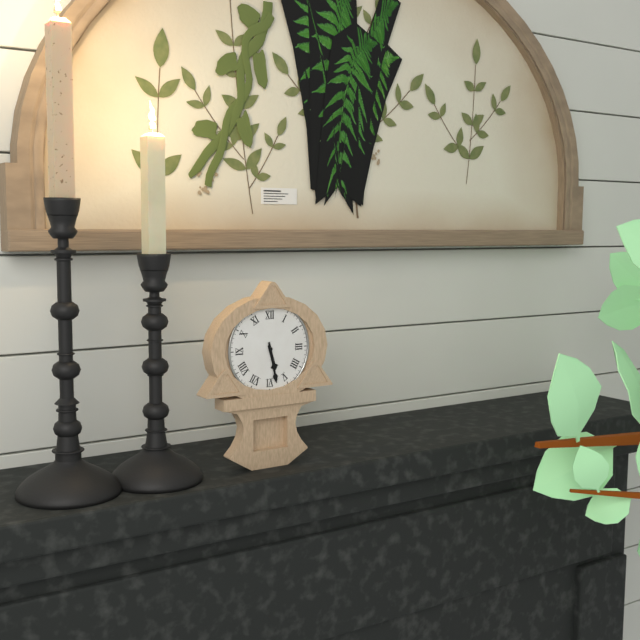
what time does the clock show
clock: 5:28
